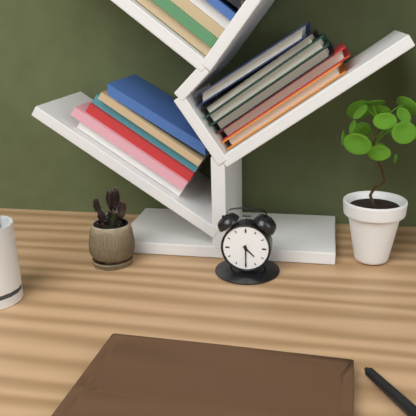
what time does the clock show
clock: 4:30
